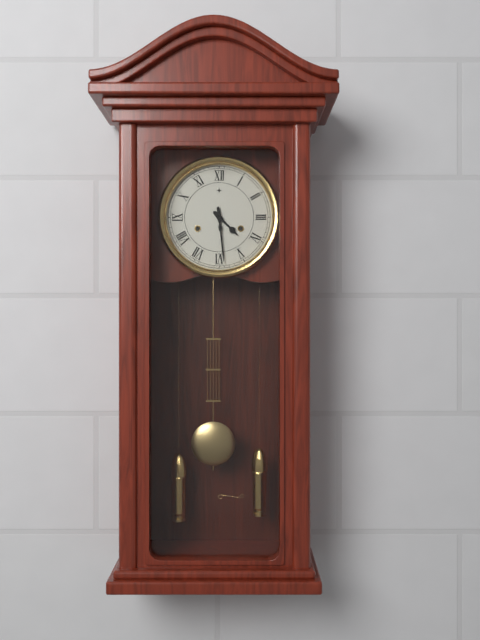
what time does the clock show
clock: 4:29
